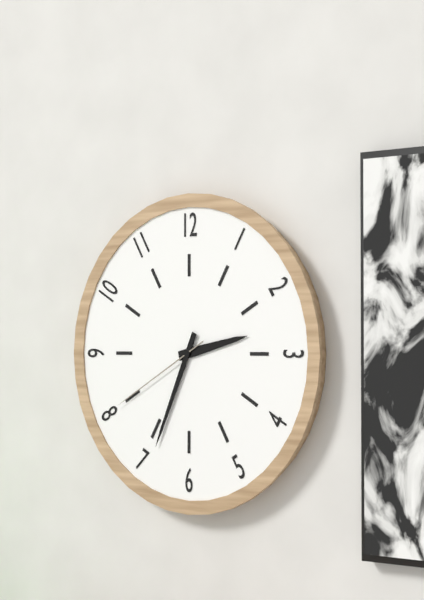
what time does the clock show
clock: 2:34:40
